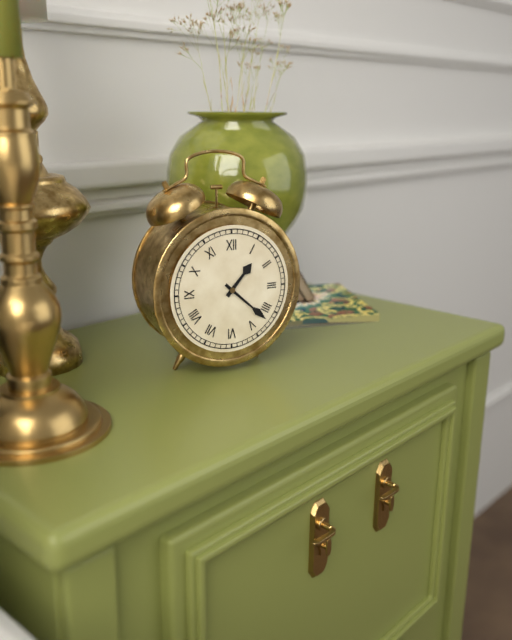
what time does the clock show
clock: 1:22
